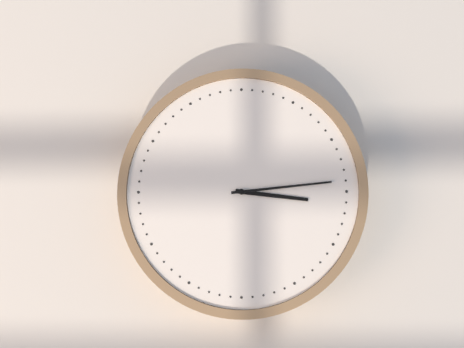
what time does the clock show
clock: 3:14
